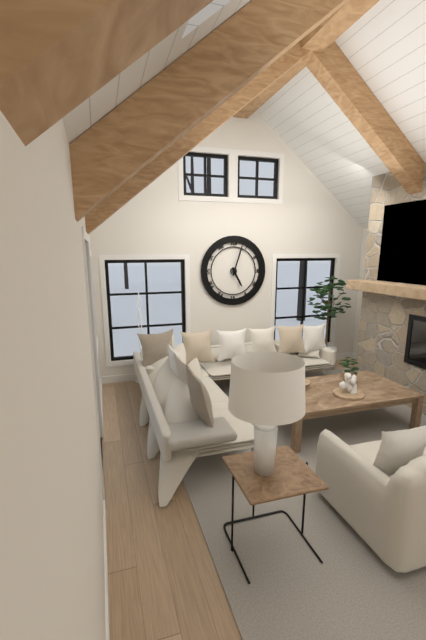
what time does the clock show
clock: 5:03
